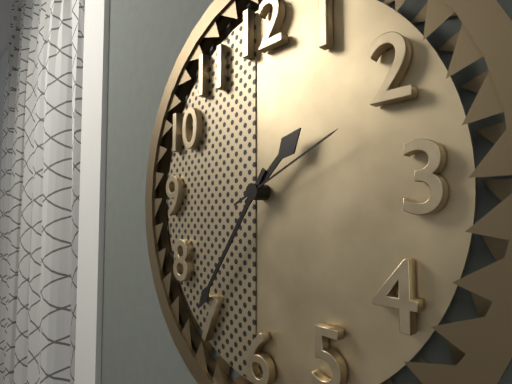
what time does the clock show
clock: 1:36:11
